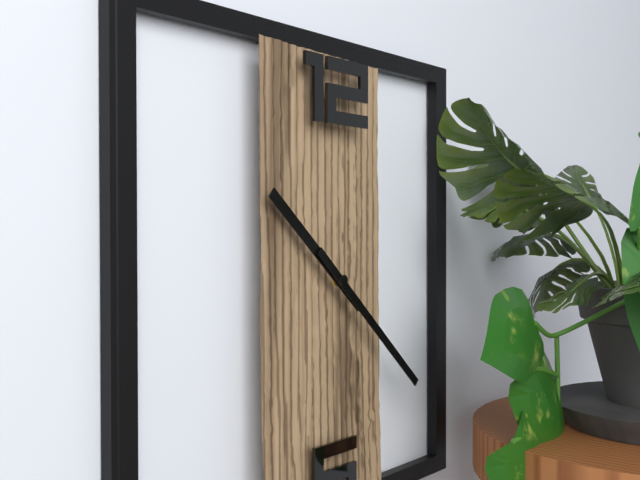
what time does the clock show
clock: 10:22
